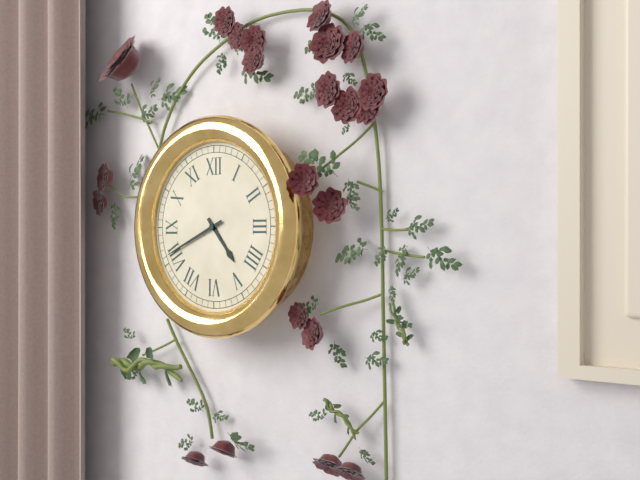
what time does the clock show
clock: 4:41
